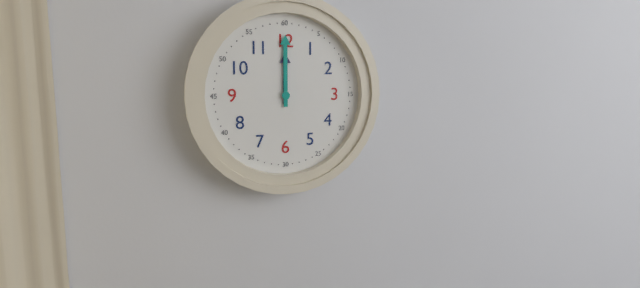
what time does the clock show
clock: 12:00
